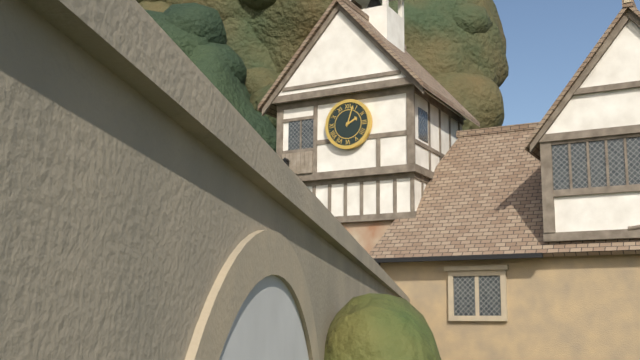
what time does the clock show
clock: 2:03
